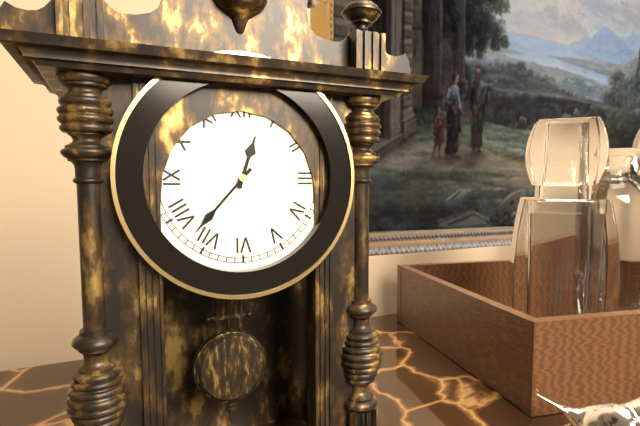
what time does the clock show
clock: 12:37
